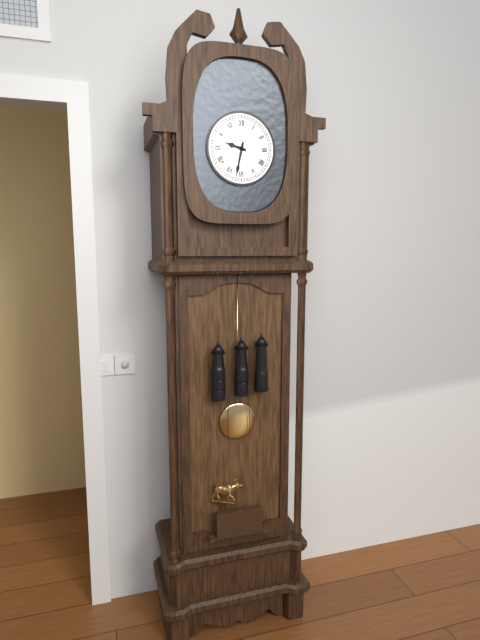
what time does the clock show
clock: 9:32
